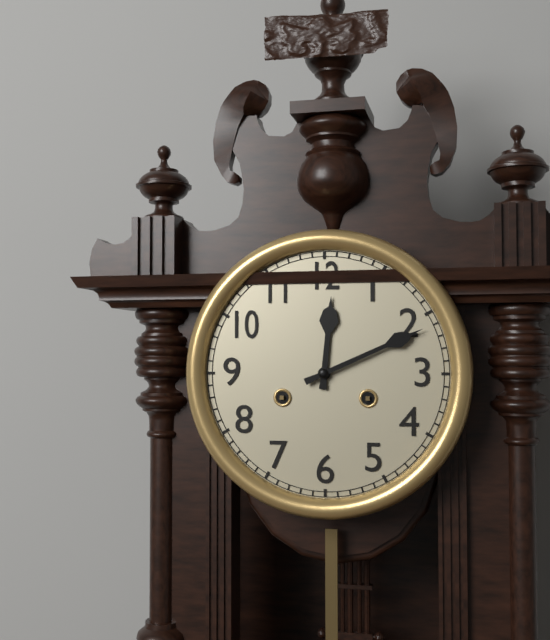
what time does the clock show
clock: 12:11
